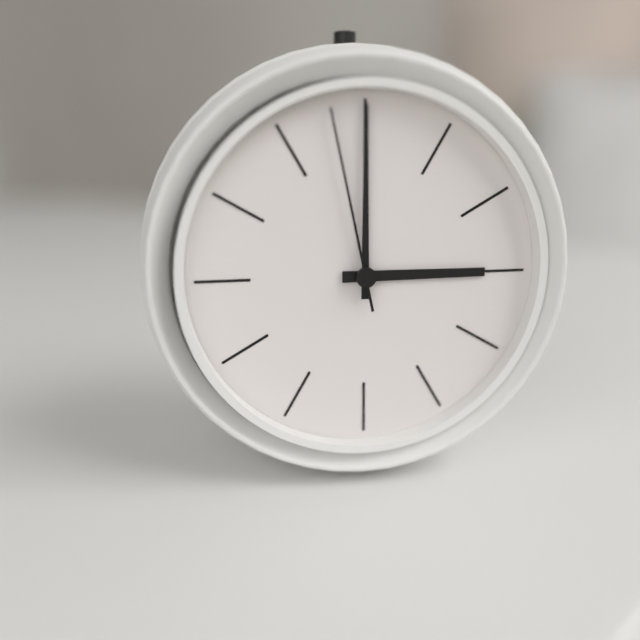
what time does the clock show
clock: 3:00:58
